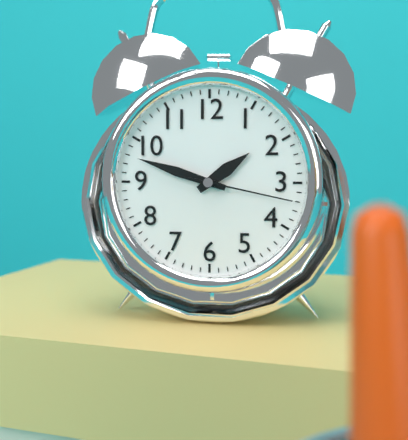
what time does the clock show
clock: 1:48:17
